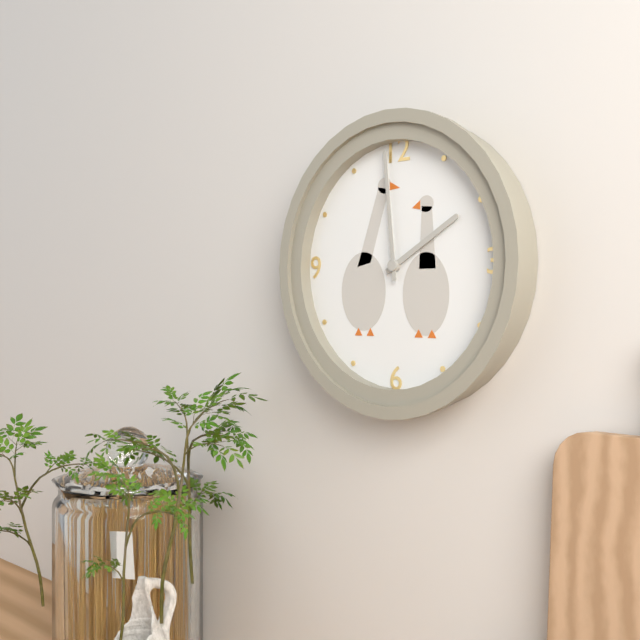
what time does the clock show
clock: 1:59
